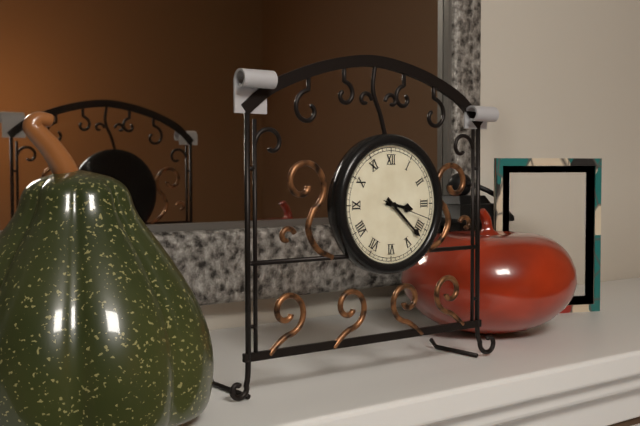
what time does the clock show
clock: 3:22:18
